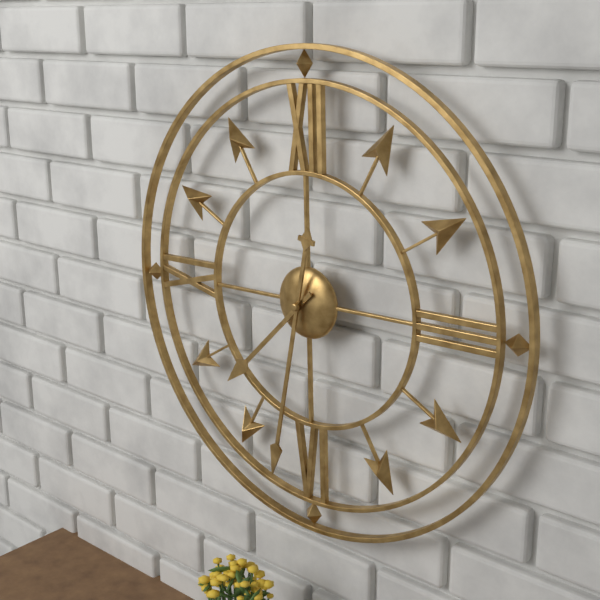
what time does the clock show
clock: 7:32
